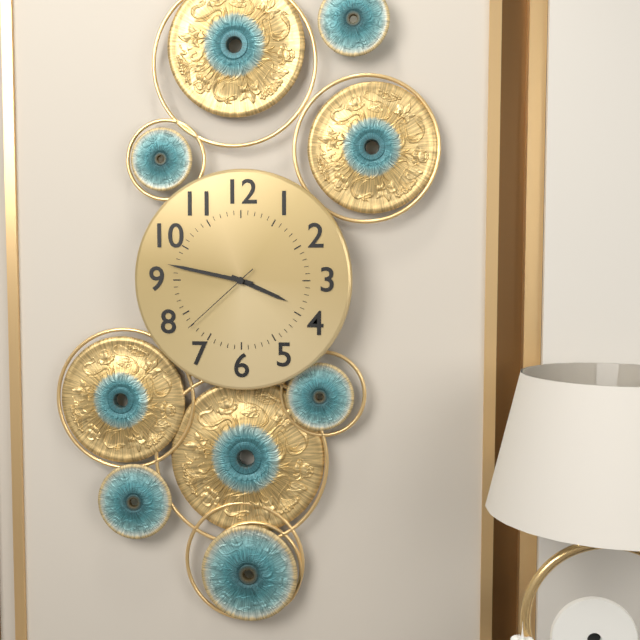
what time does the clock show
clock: 3:47:38
